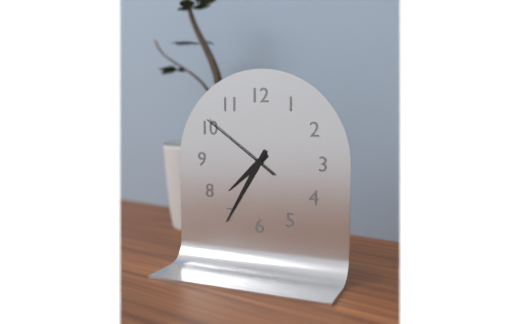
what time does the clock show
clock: 7:35:51
